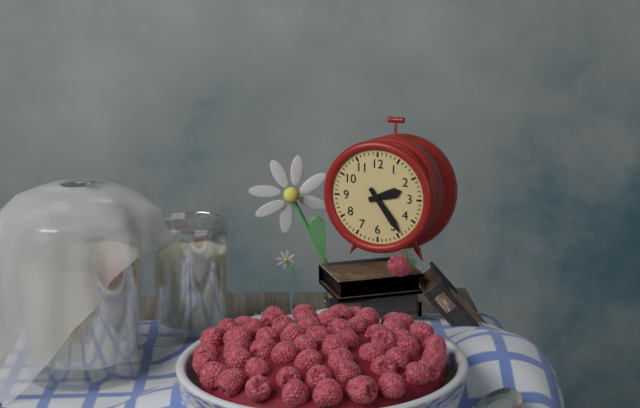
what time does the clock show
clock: 2:24
